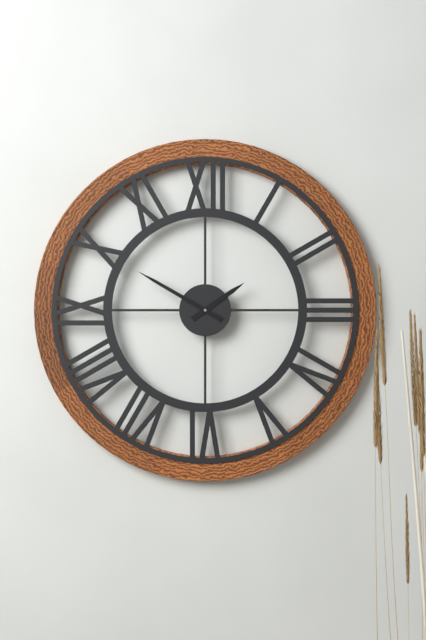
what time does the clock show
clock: 1:50
